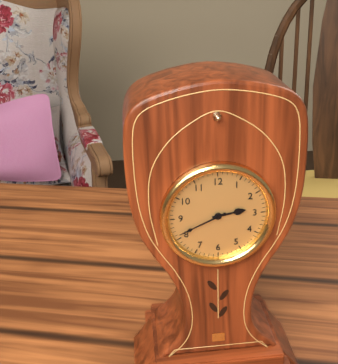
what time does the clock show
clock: 2:41
